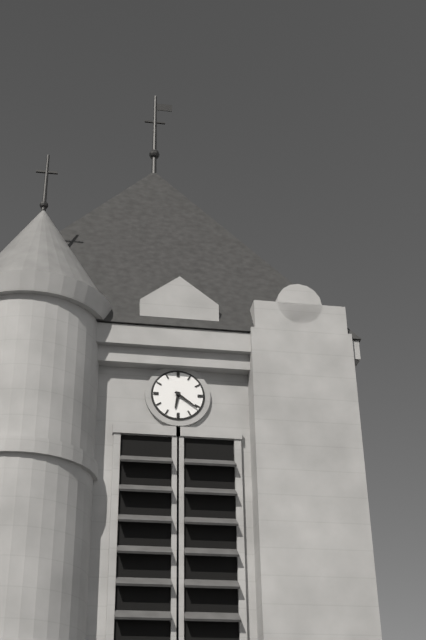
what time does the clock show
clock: 6:21
